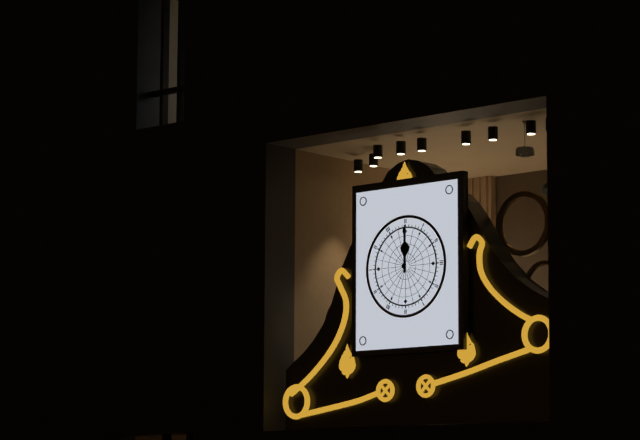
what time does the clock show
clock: 12:00
